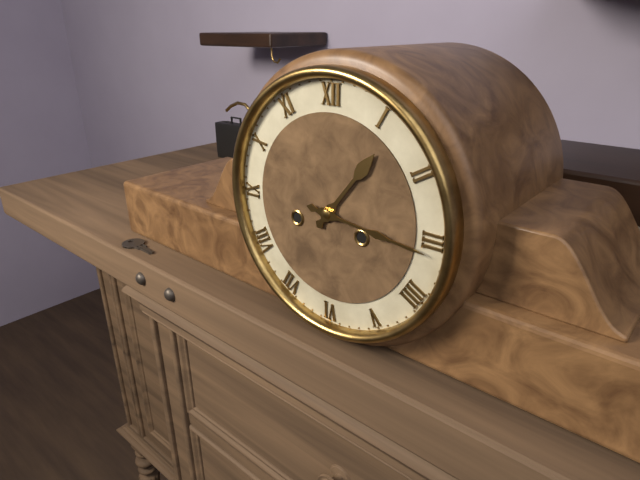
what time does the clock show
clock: 1:16
